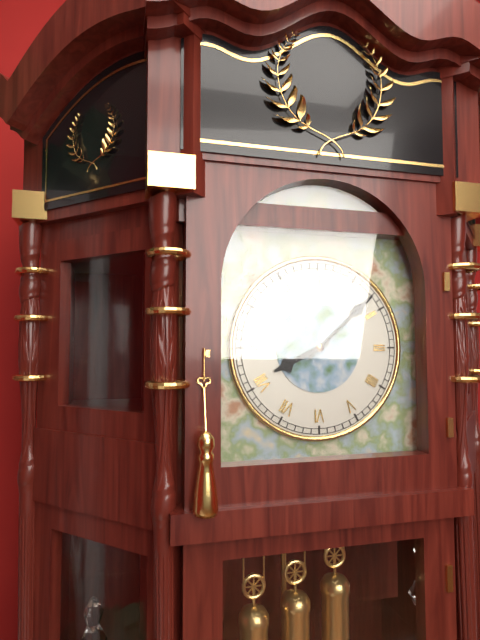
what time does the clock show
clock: 8:08
